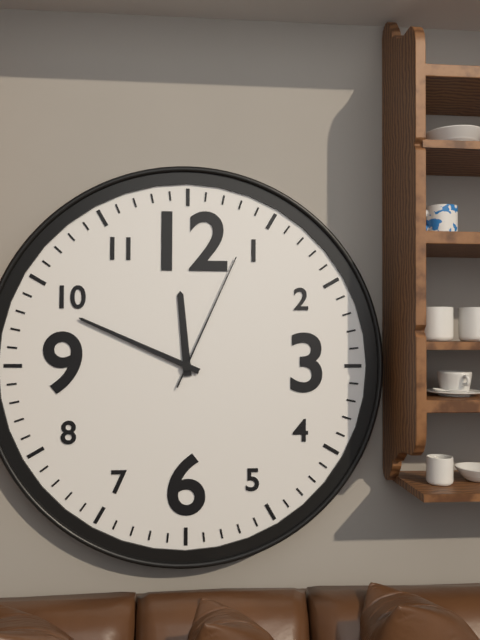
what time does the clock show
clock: 11:49:04
